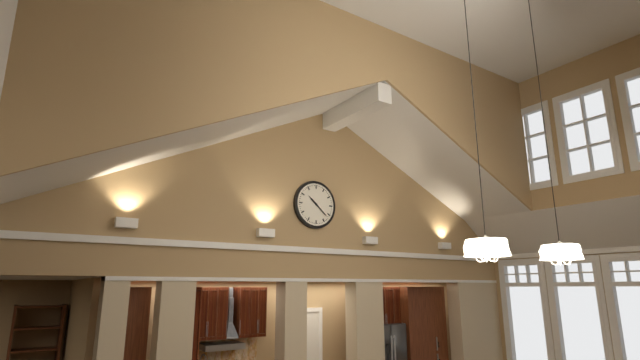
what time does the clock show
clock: 10:22
